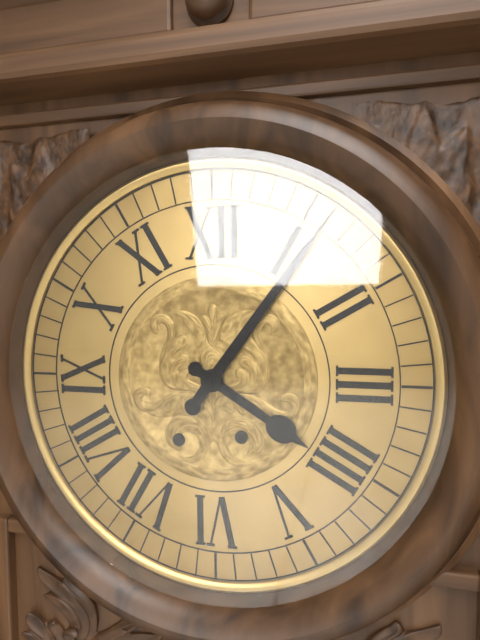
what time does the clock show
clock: 4:06
